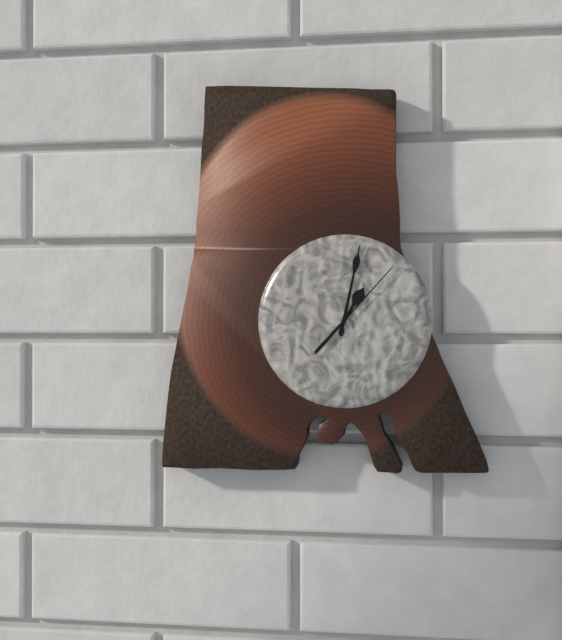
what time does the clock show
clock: 1:02:07
